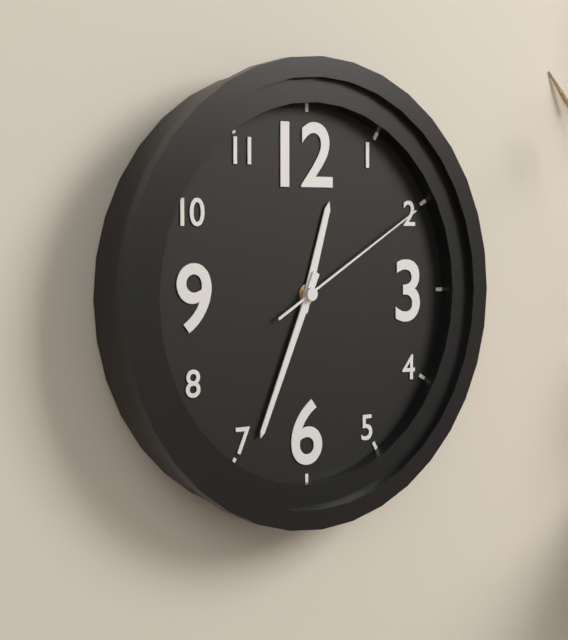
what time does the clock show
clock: 12:34:10
